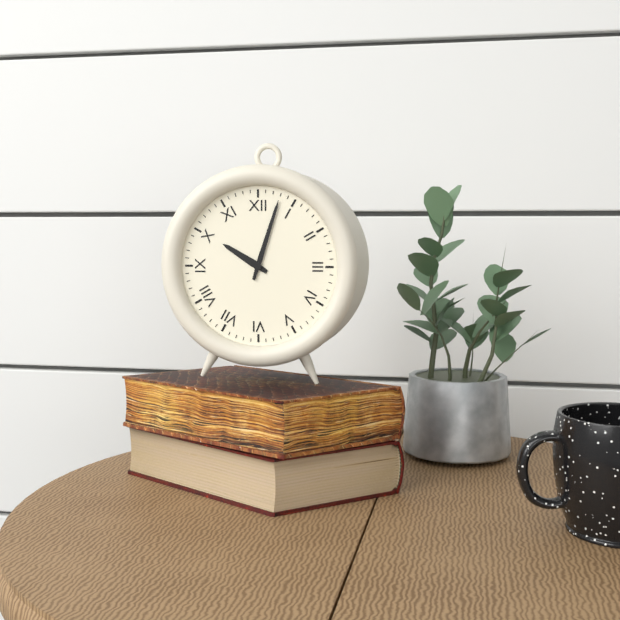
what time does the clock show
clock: 10:03
